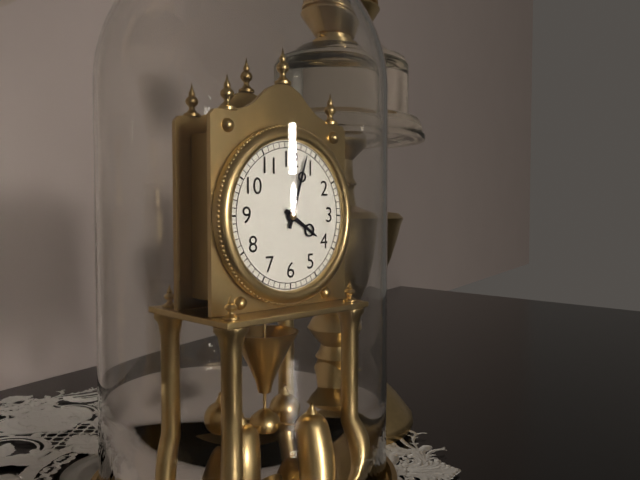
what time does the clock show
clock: 4:03
